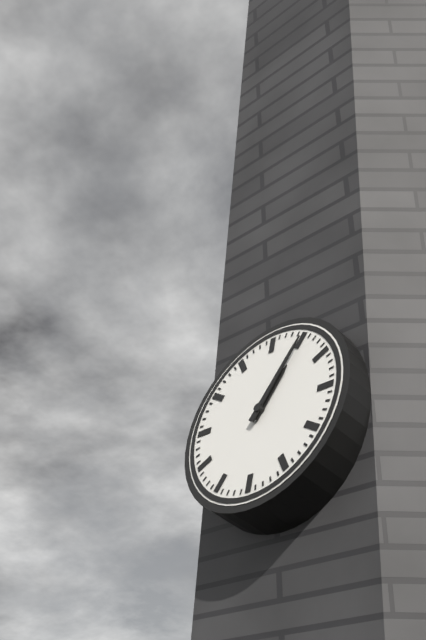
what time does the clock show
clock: 1:05
